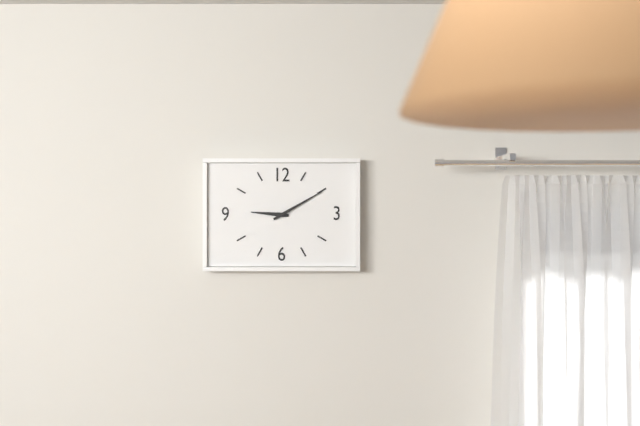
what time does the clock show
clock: 9:10
